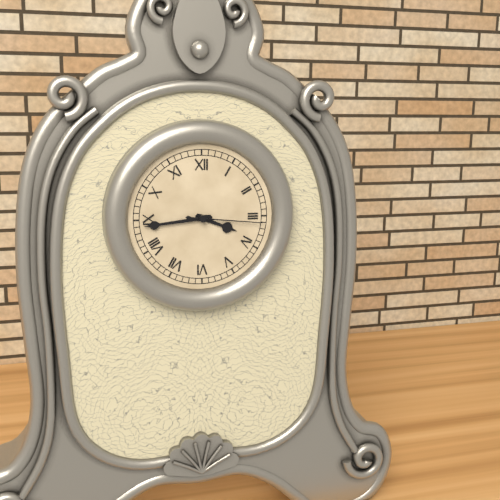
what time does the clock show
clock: 3:44:16
